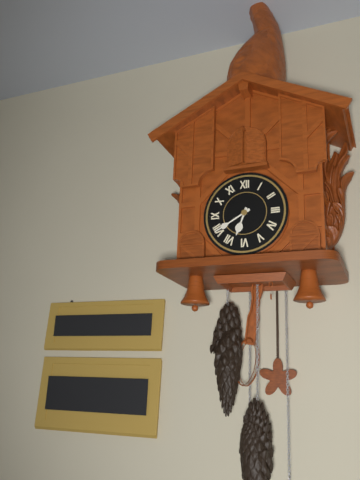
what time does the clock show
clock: 6:40
